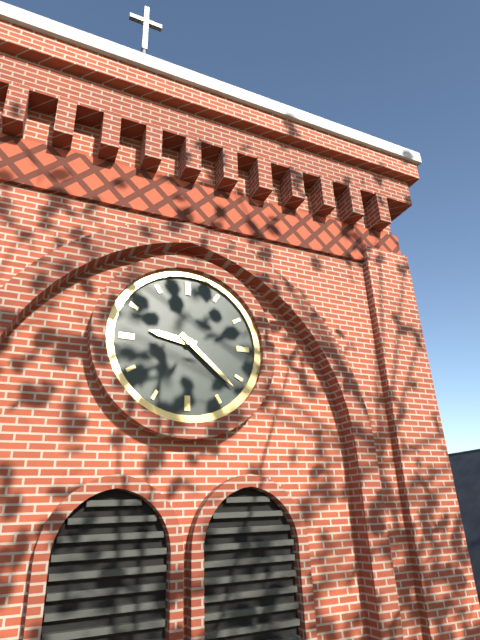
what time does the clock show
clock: 9:22
